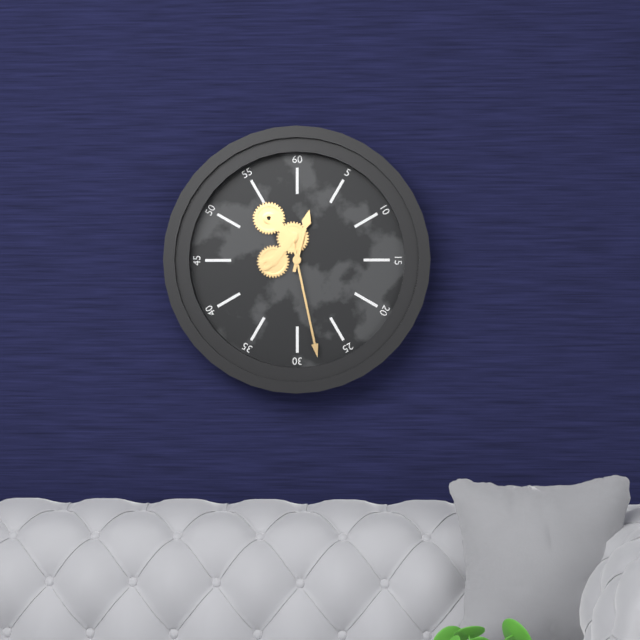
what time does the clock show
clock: 12:28
